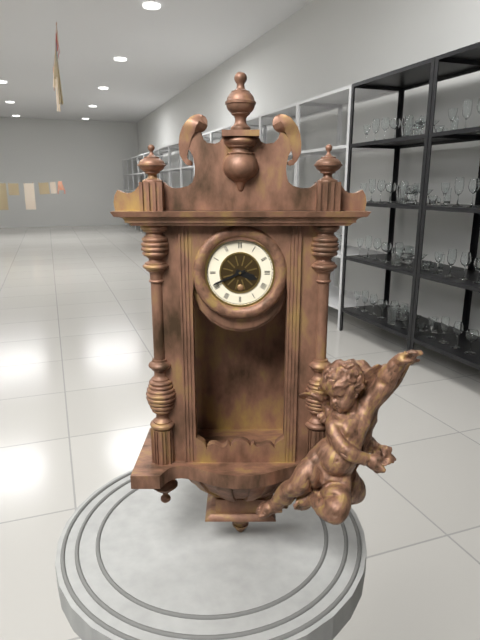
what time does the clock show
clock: 3:41
